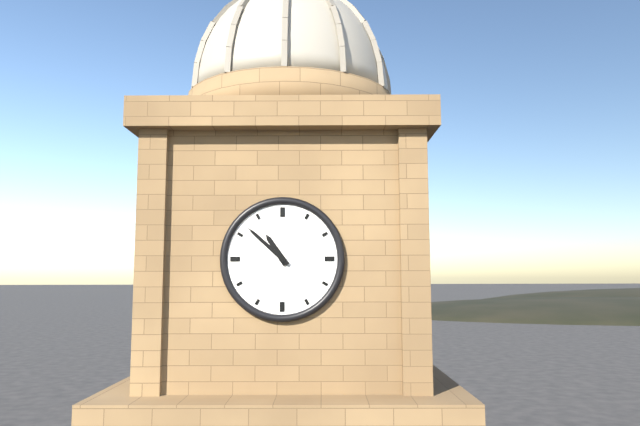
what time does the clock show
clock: 10:52
